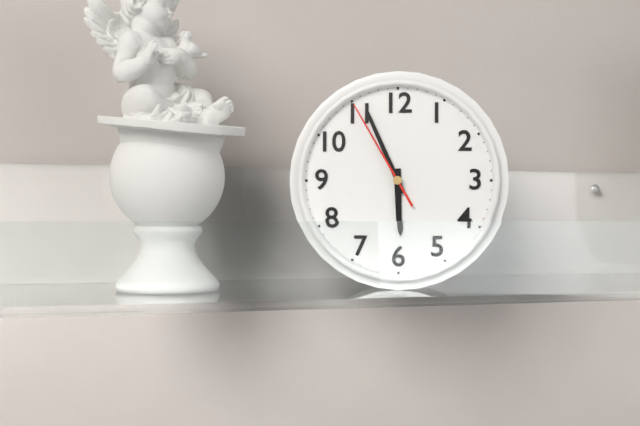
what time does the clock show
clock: 5:56:55
